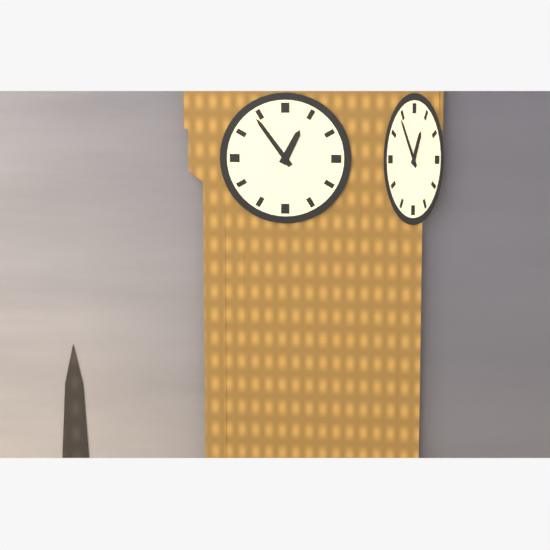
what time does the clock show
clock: 12:54
